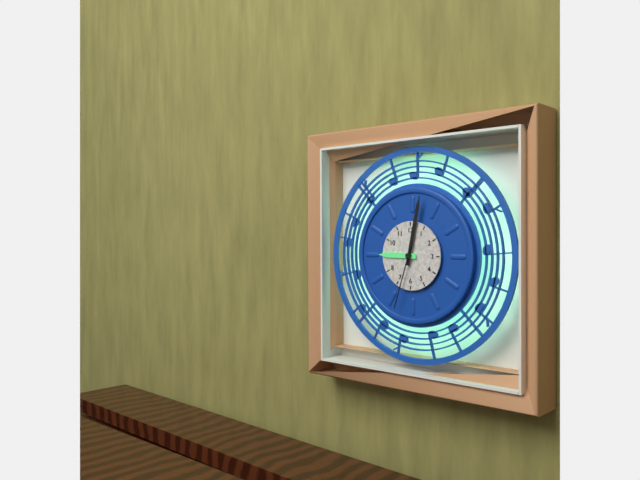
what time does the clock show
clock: 9:02:33
